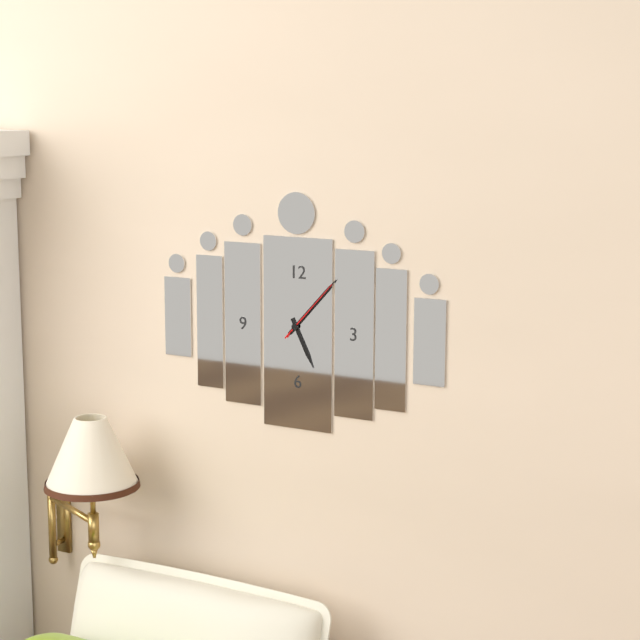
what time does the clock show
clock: 5:07:07
